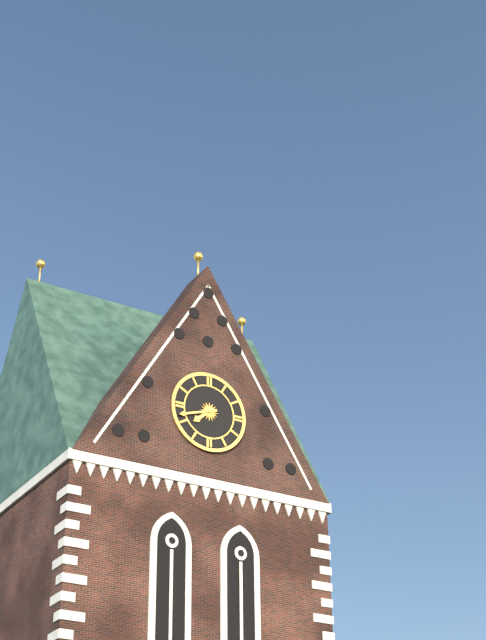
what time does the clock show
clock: 7:42
